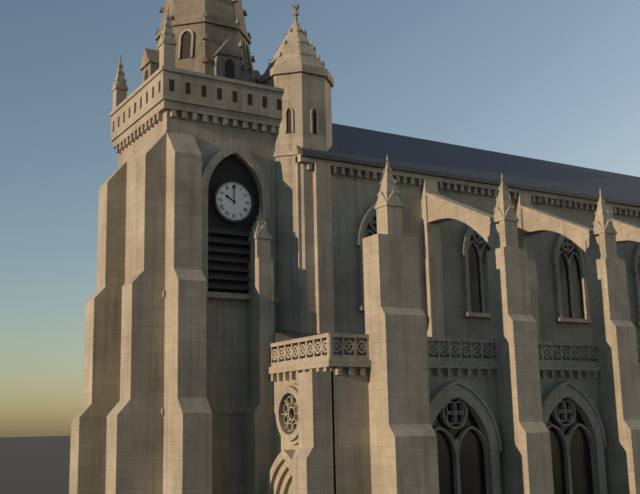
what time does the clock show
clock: 10:00
